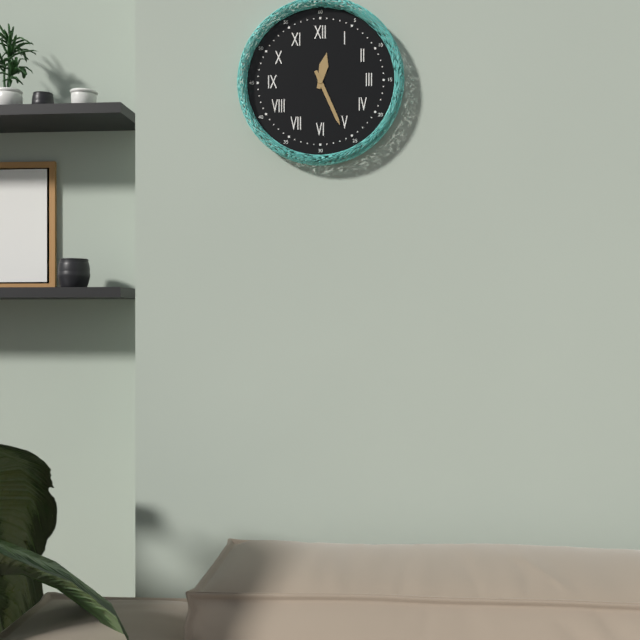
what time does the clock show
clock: 12:26
